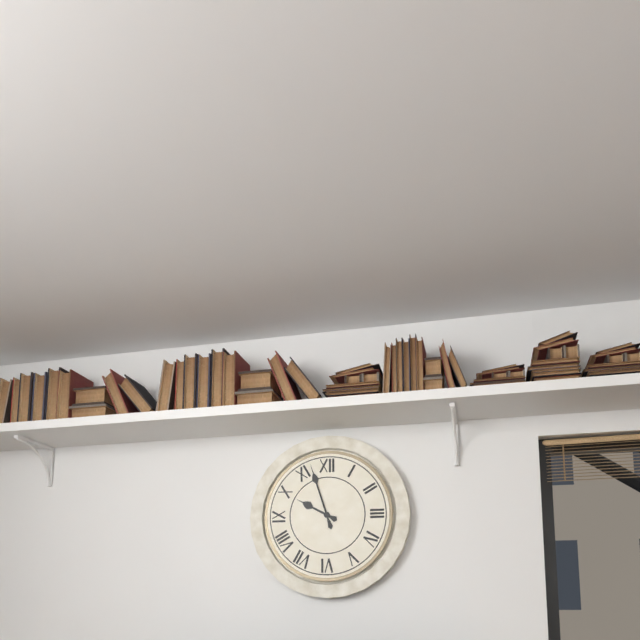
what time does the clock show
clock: 9:57
